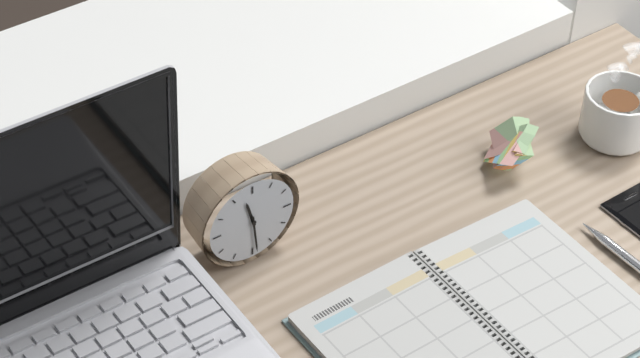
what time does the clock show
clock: 11:29
